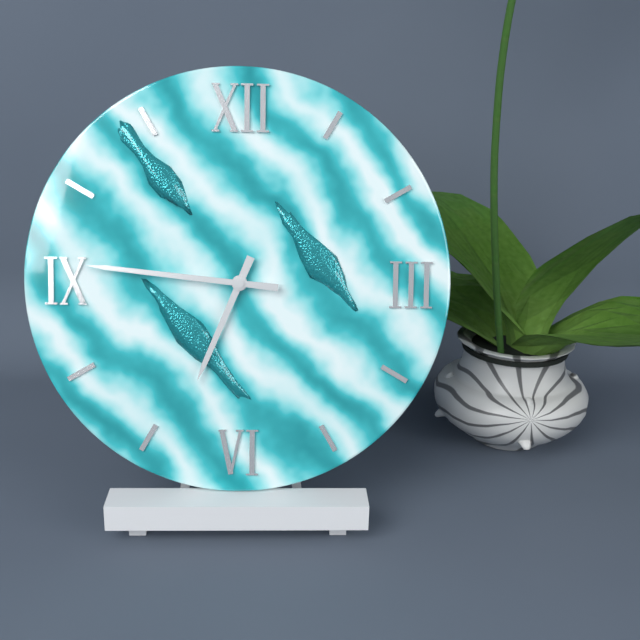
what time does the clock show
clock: 6:46
